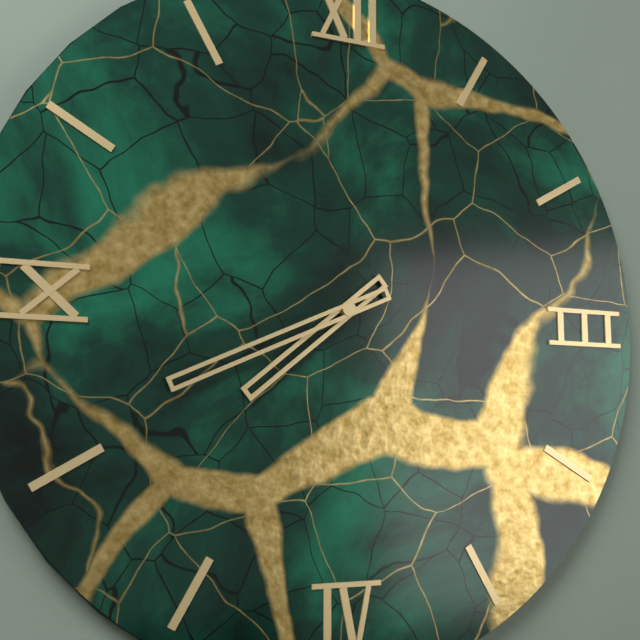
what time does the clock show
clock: 7:41
